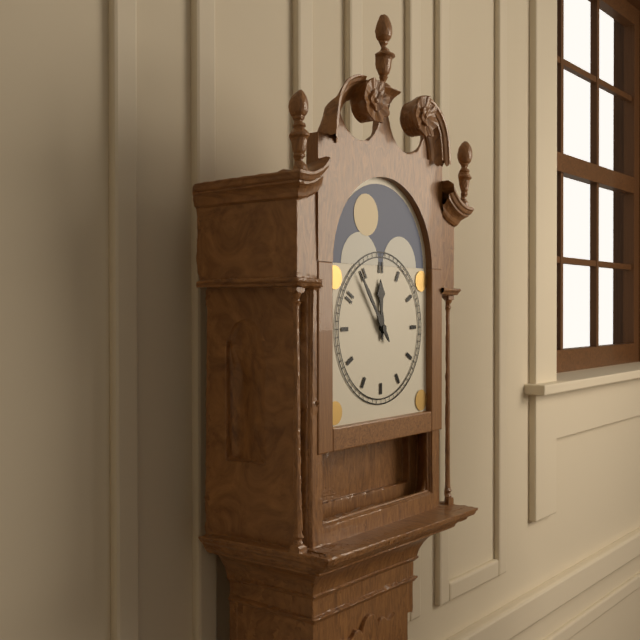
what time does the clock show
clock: 11:54
